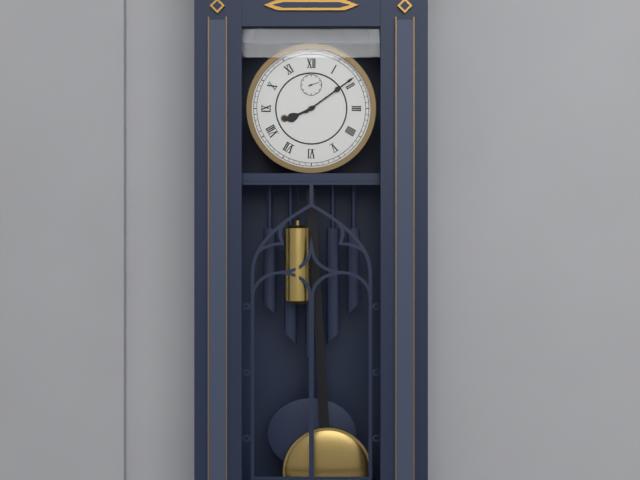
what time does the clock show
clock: 8:09
